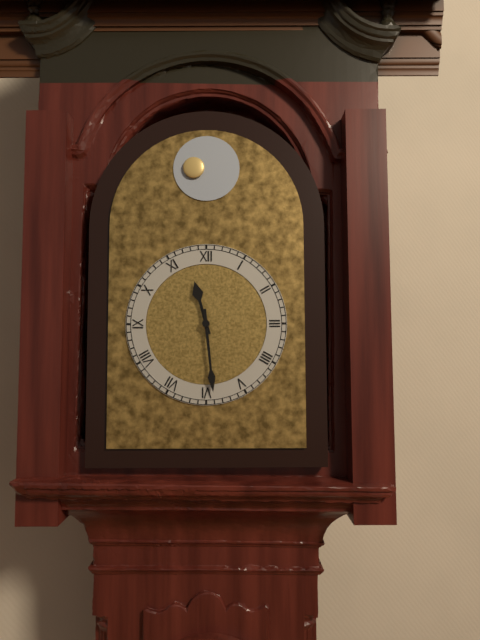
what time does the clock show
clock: 11:29
